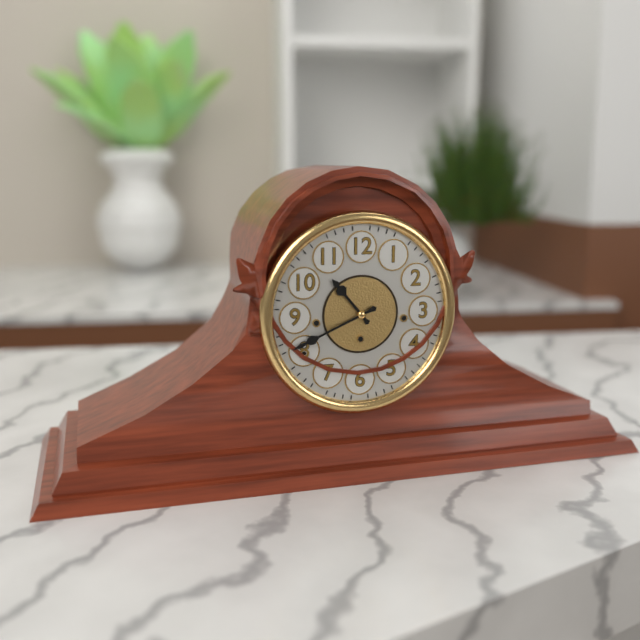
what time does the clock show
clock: 10:41
